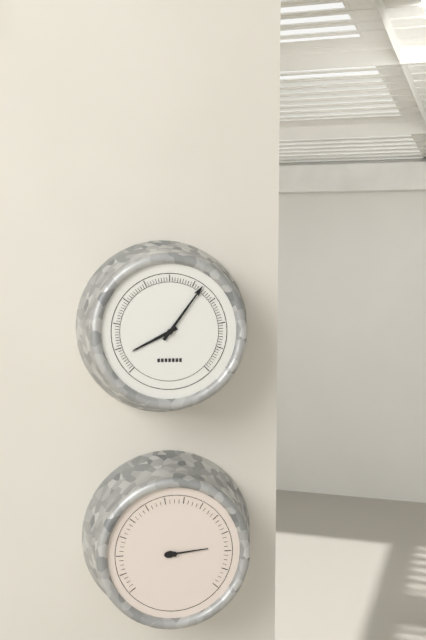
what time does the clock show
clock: 8:06
